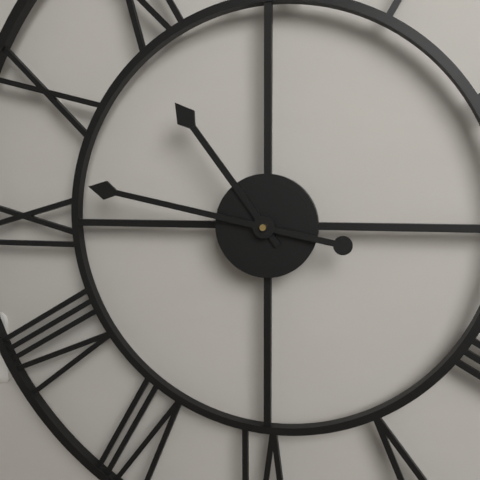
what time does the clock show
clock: 10:47
